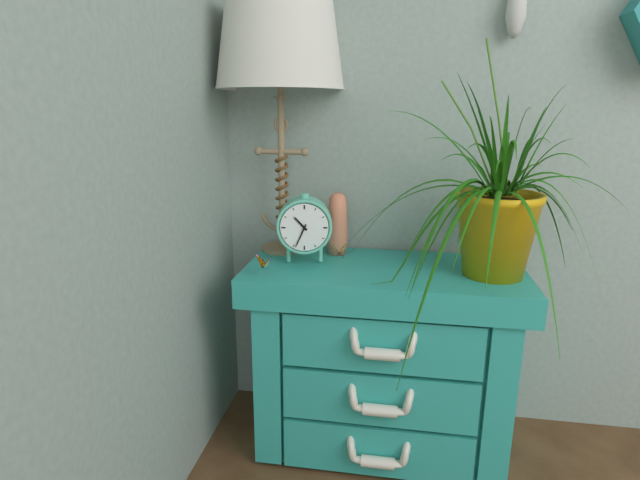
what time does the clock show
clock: 10:34
